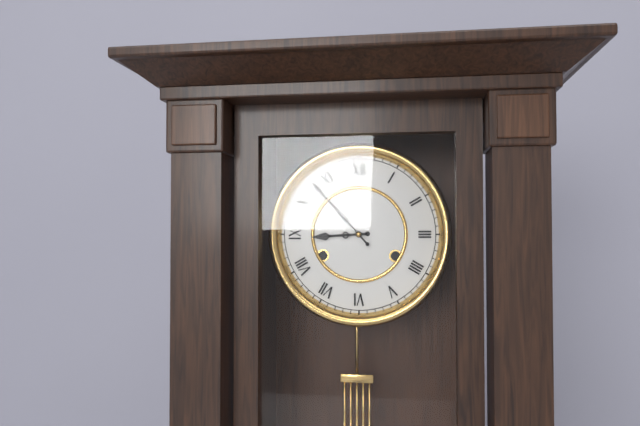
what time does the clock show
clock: 8:53
